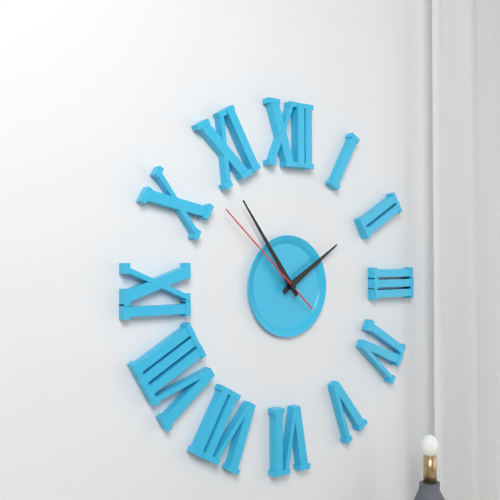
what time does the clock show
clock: 1:54:52
